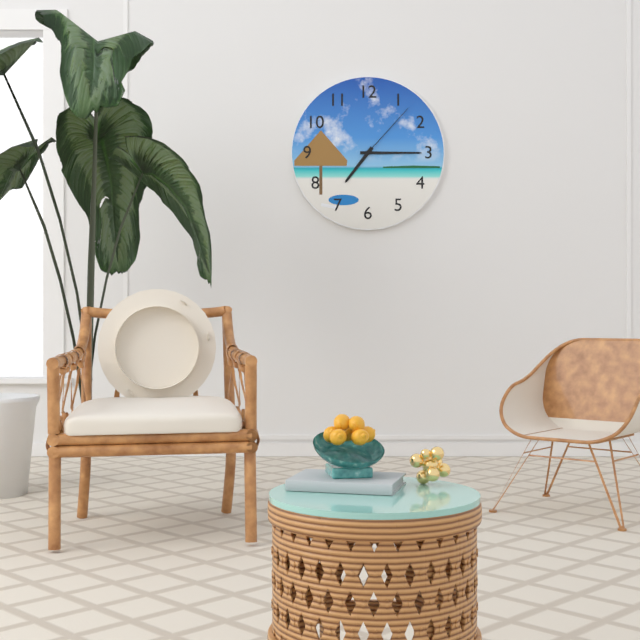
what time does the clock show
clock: 7:15:07
